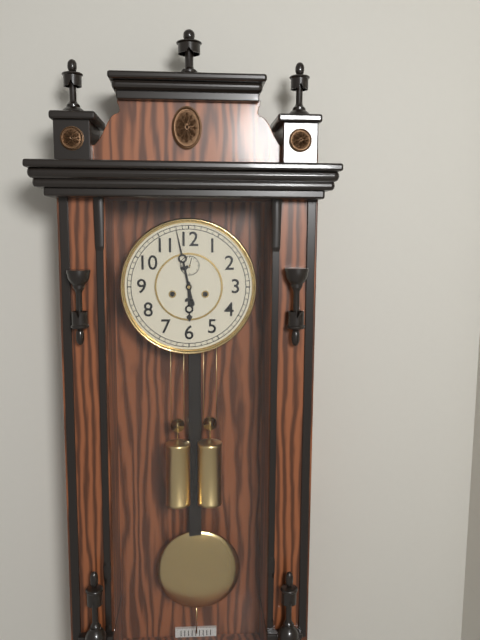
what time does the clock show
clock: 5:58
